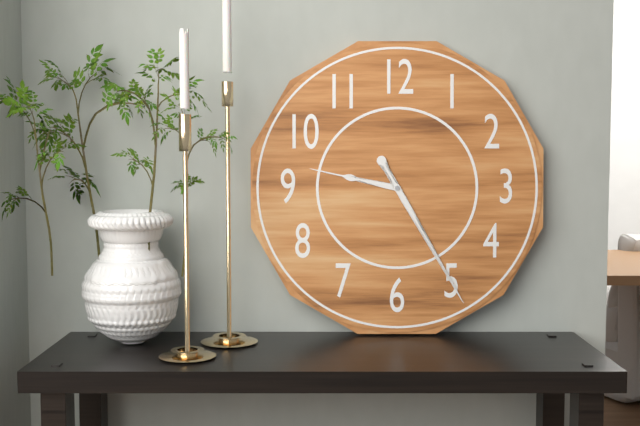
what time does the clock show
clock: 9:25
